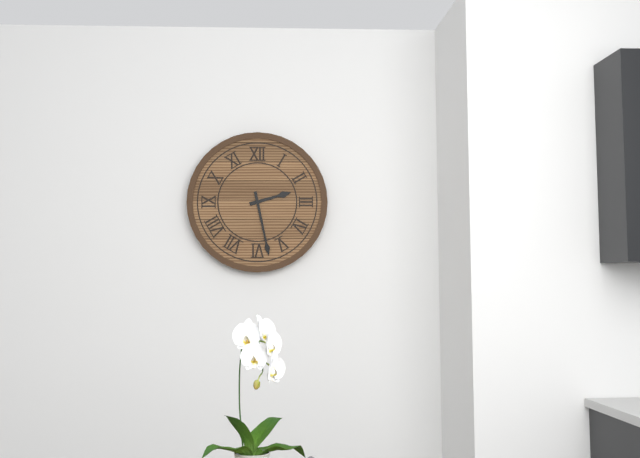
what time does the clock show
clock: 2:28
